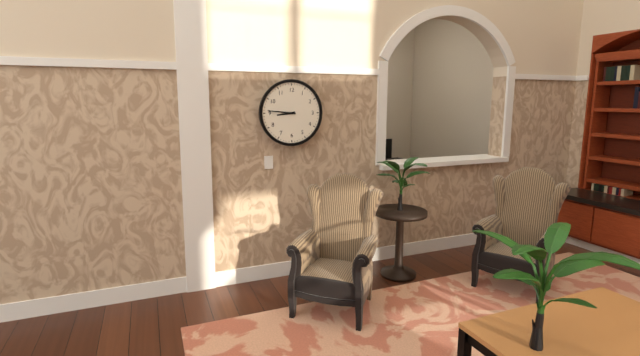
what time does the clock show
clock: 8:46
